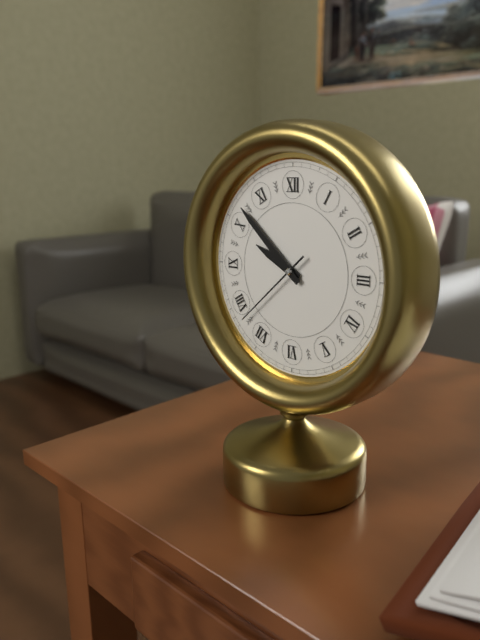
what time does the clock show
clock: 9:52:38
